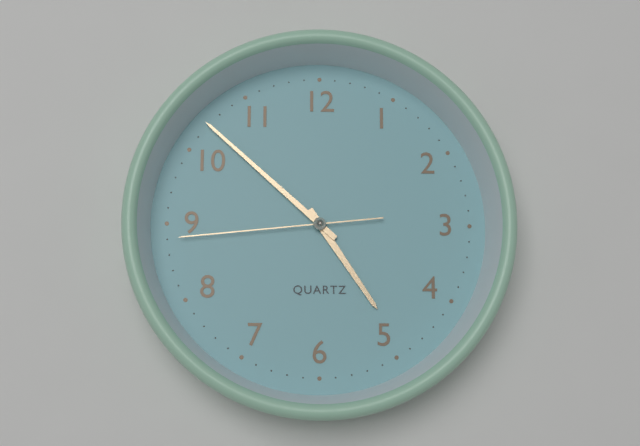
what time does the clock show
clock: 4:52:44
